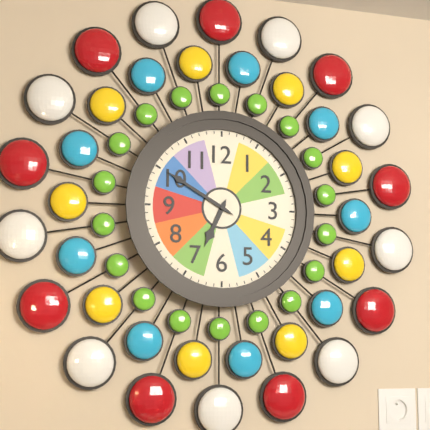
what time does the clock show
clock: 6:50
